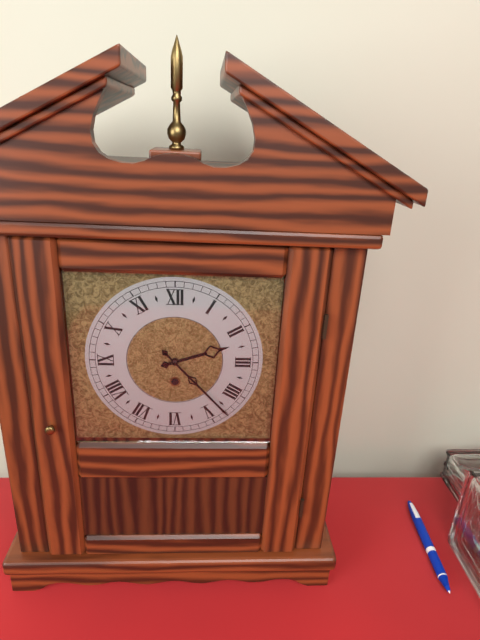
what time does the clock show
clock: 2:23
